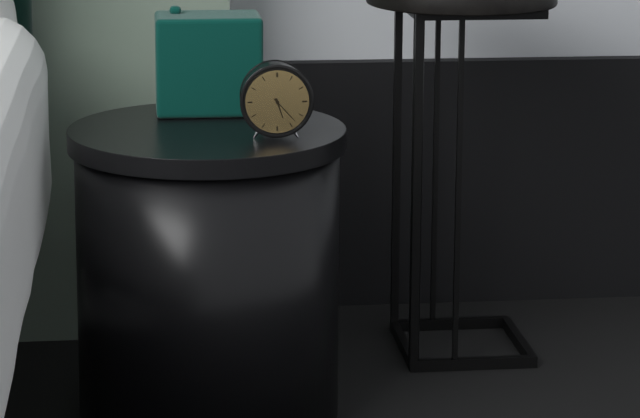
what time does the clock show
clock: 5:23
